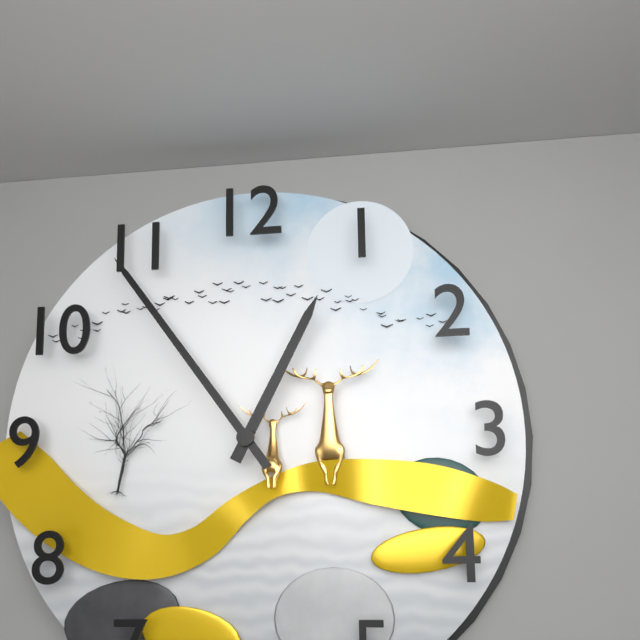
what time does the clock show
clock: 12:54
